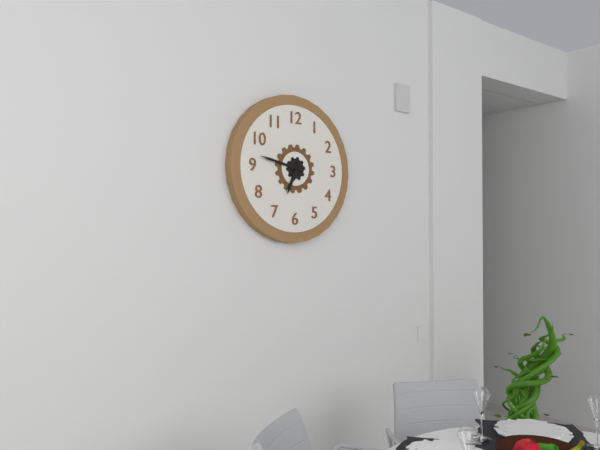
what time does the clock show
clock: 6:47
